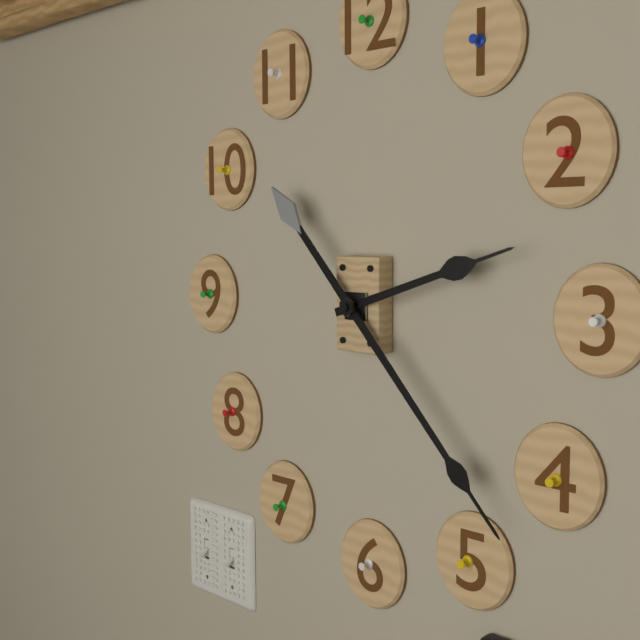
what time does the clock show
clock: 2:23
